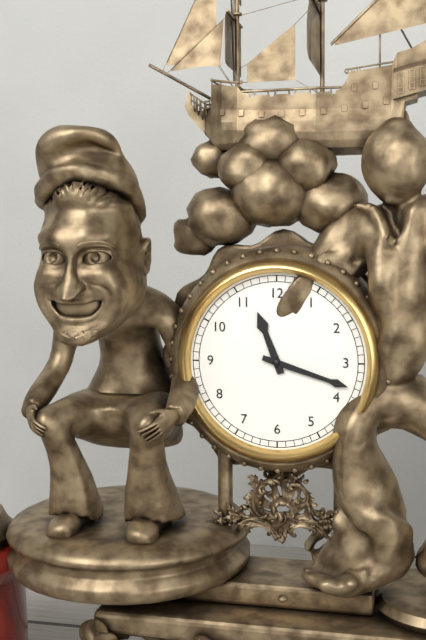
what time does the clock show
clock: 11:18
